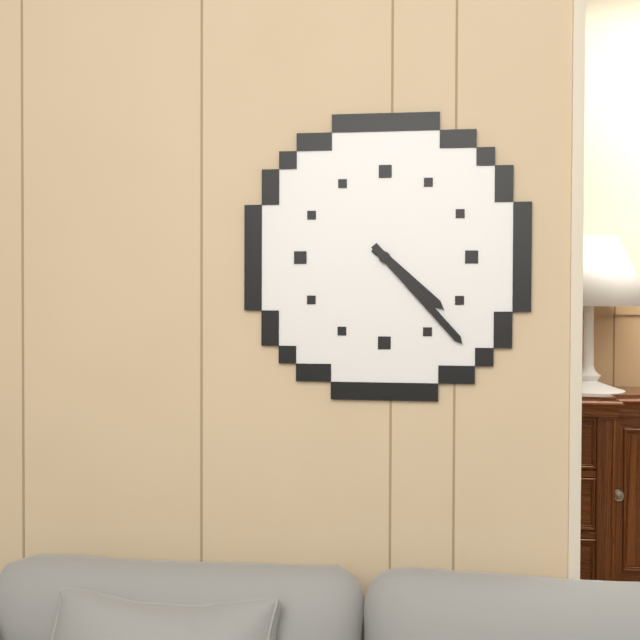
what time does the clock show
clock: 4:23
